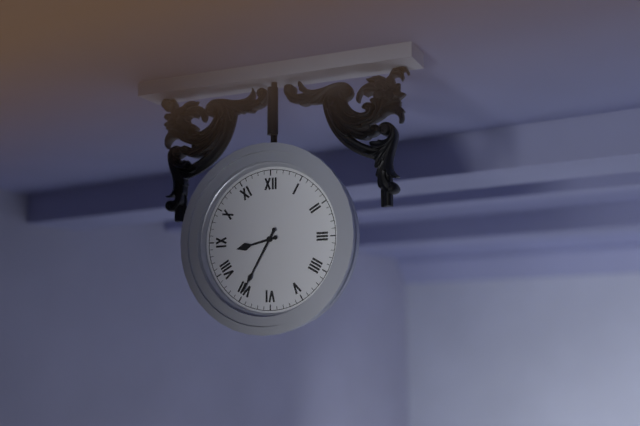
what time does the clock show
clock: 8:35
